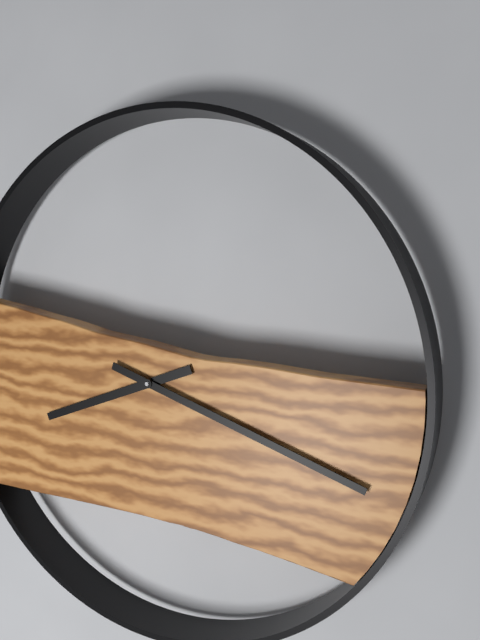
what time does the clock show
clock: 8:18
